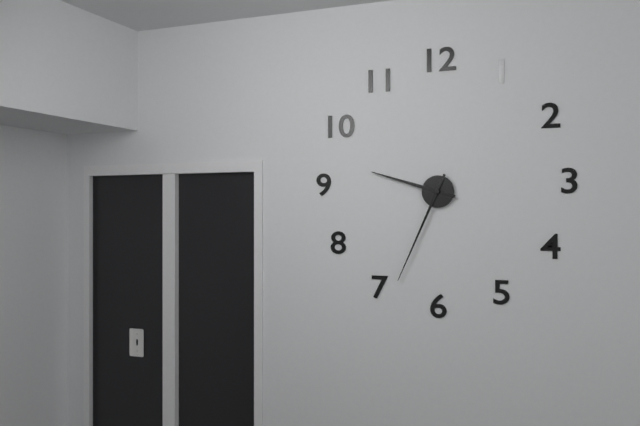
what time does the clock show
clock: 9:34
